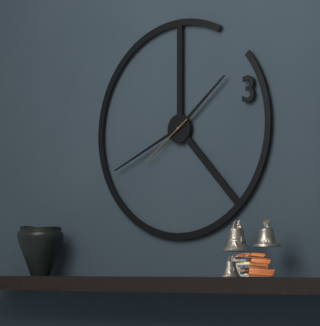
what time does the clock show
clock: 1:41:39
